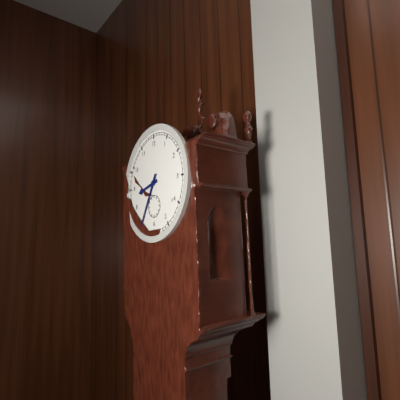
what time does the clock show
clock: 8:35
